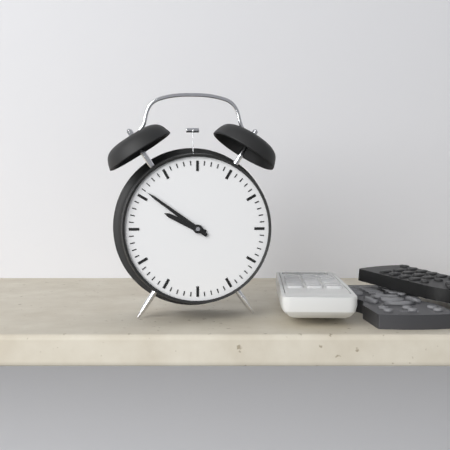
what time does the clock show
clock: 9:51
